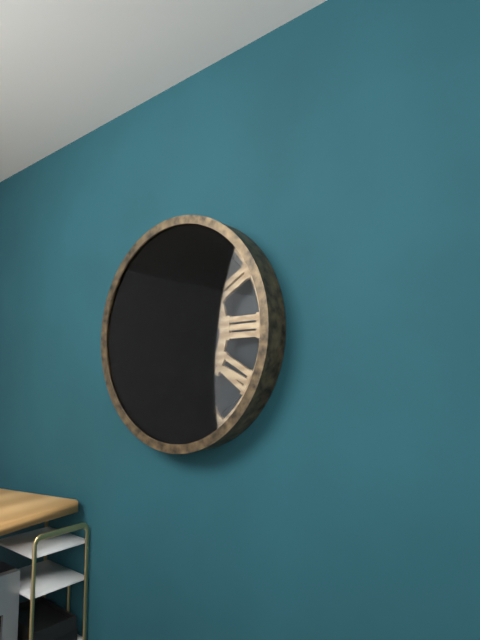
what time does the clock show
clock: 2:36
